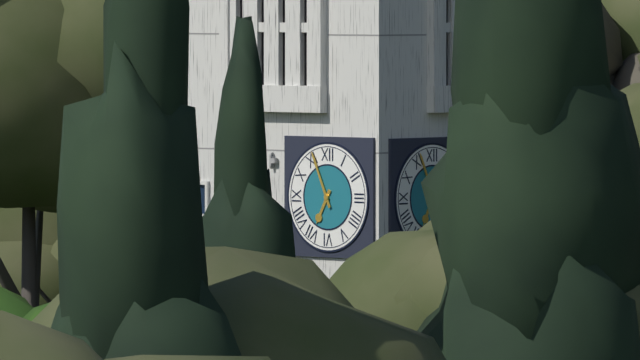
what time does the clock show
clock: 6:56
